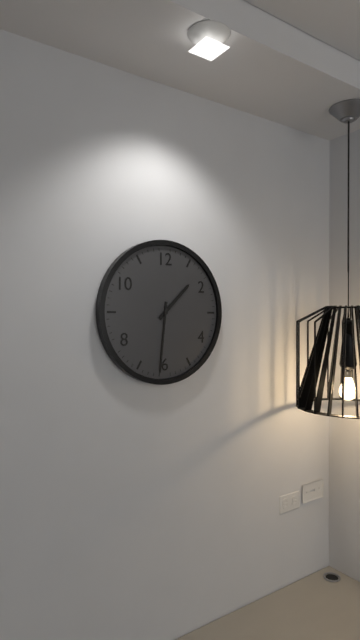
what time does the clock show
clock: 1:31
